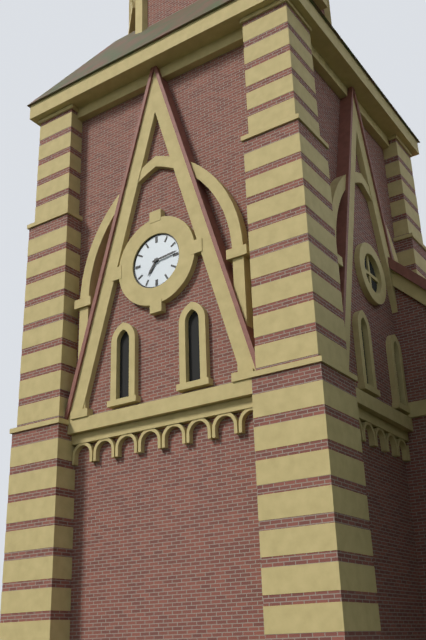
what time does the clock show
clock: 7:14
